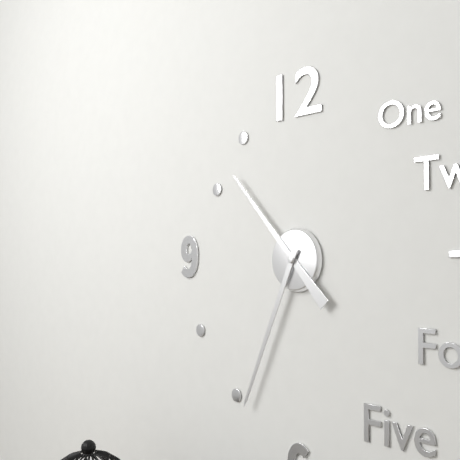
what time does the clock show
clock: 10:34
